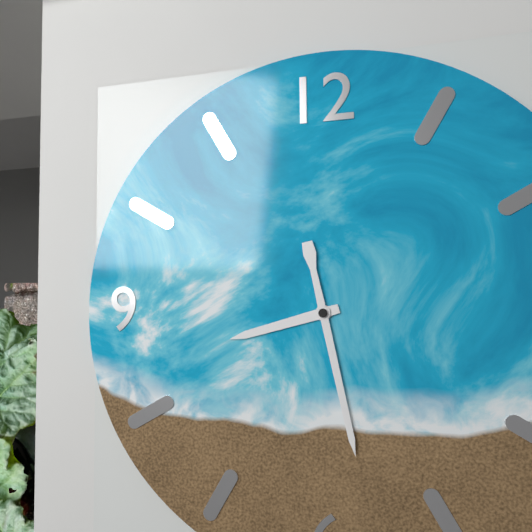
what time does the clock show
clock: 8:28
